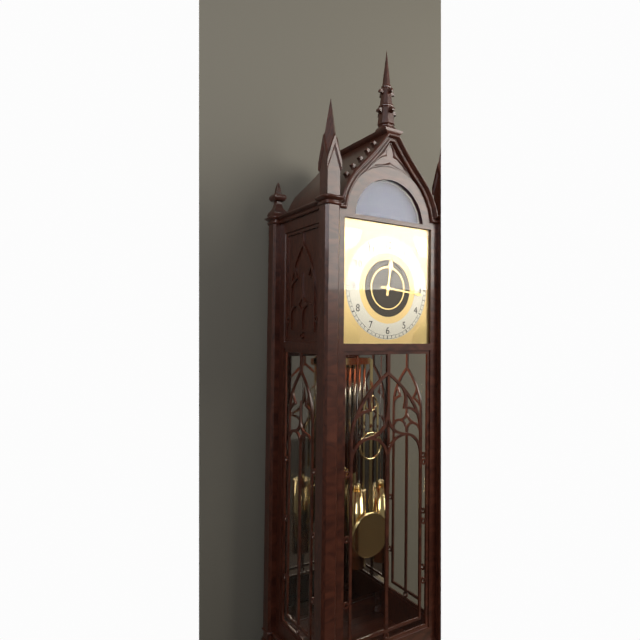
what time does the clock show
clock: 12:16
